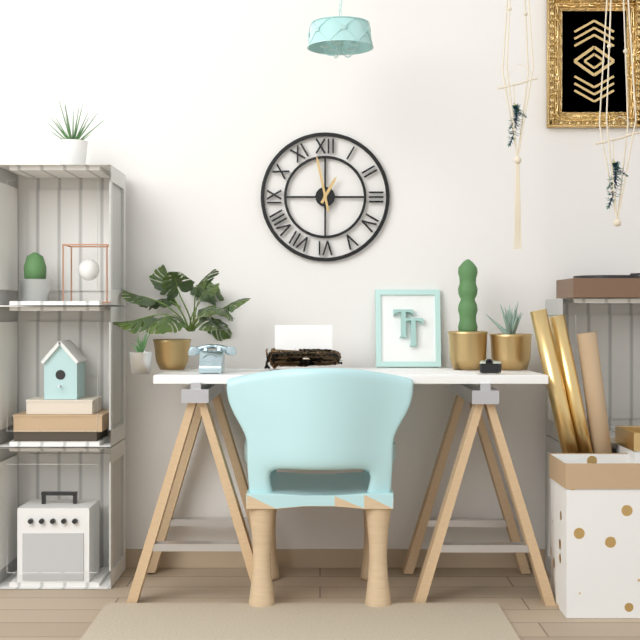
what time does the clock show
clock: 12:58
